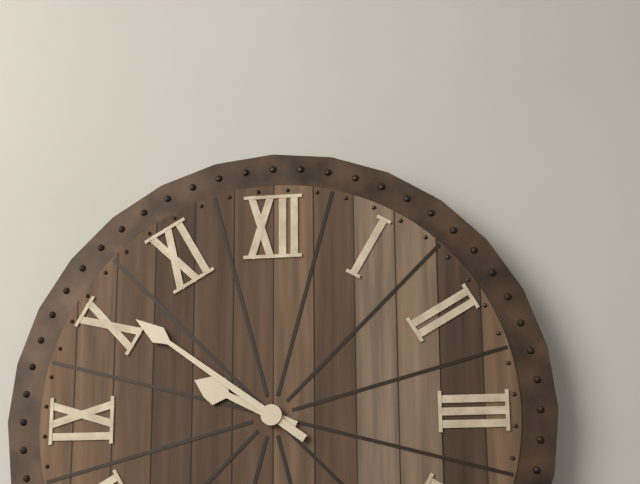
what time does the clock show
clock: 9:51
